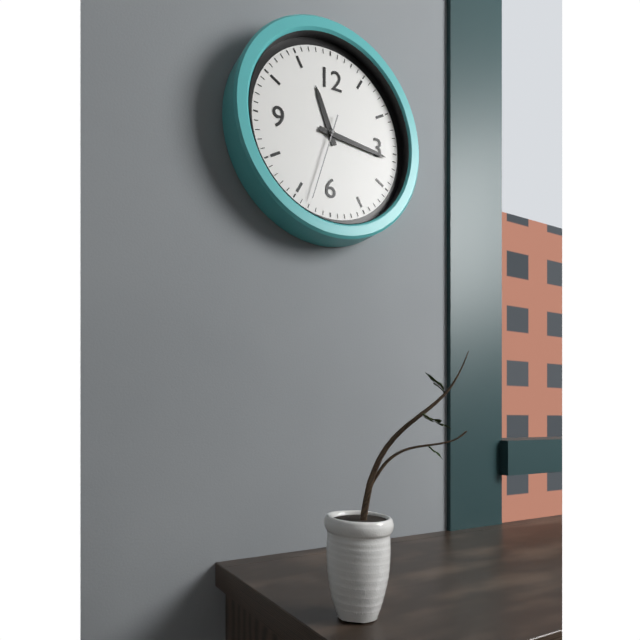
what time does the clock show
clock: 11:16:33
